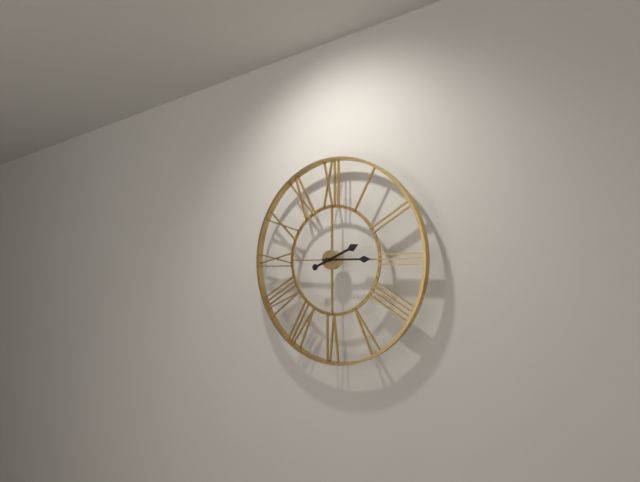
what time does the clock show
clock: 2:15
